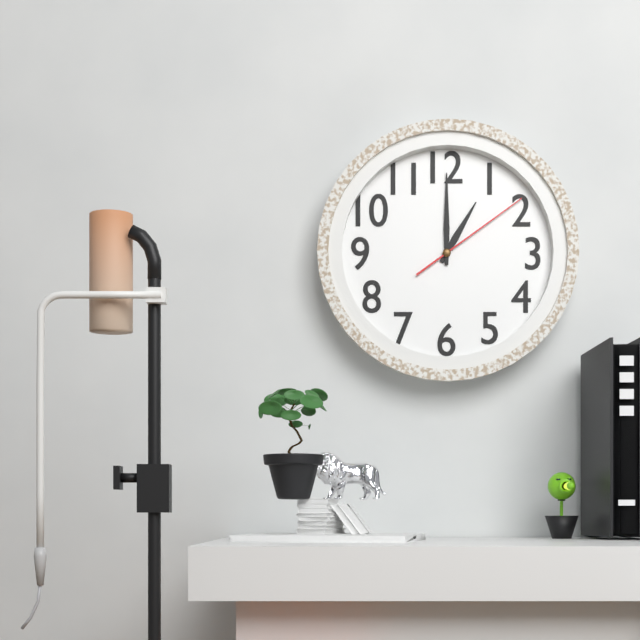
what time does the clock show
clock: 1:00:09
